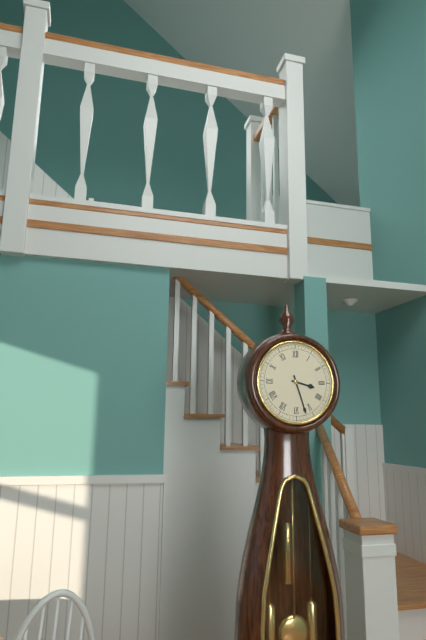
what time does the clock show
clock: 3:27
